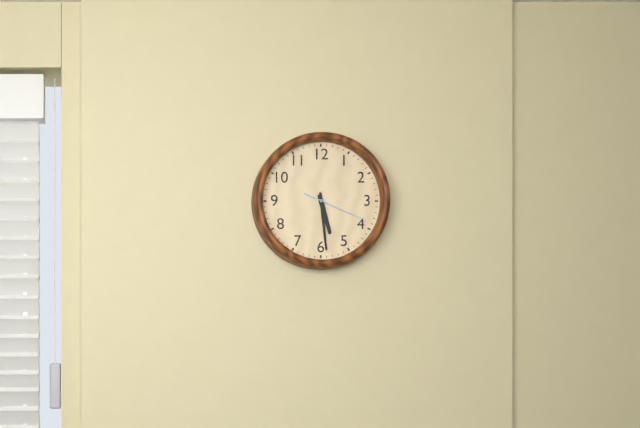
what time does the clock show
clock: 5:29:19
